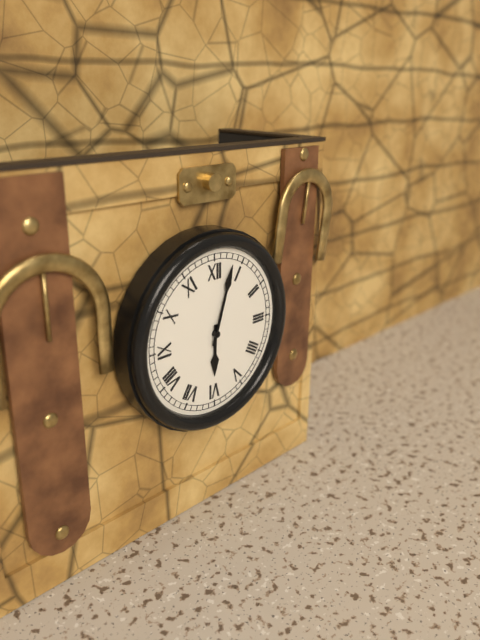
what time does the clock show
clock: 6:03
